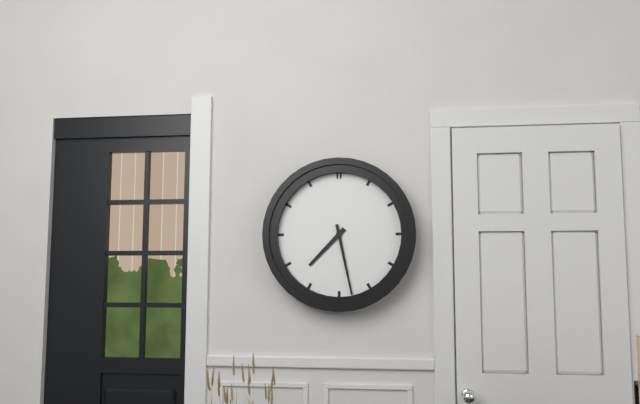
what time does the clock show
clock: 7:28
